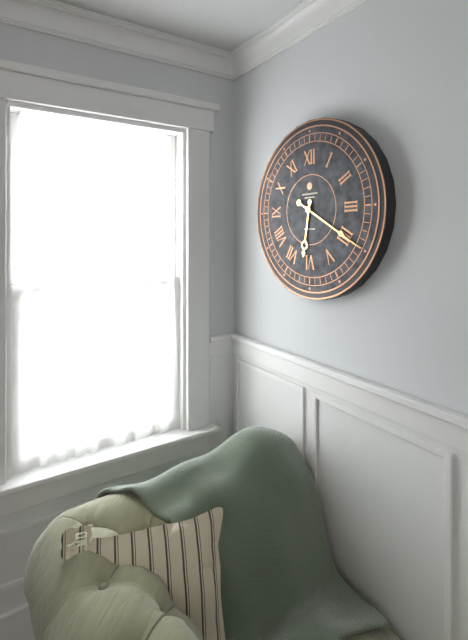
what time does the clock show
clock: 6:20
